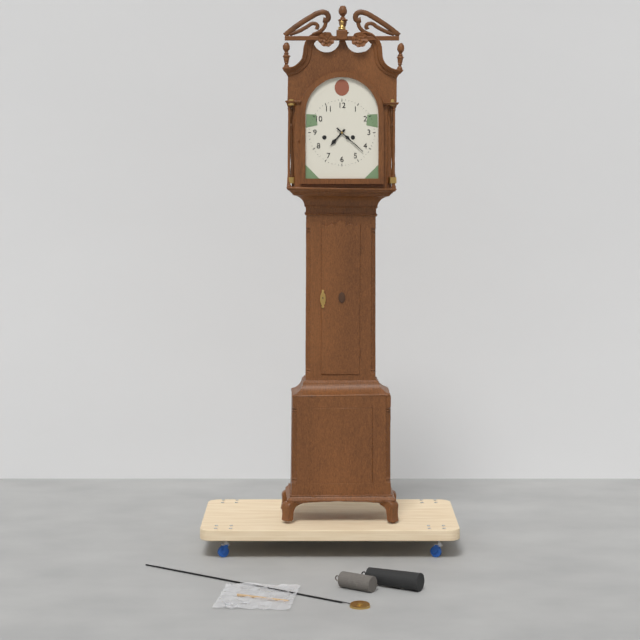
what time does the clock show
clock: 7:22
